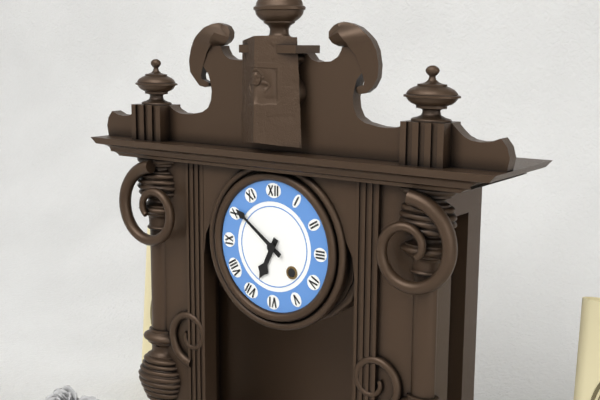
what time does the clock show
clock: 6:51
